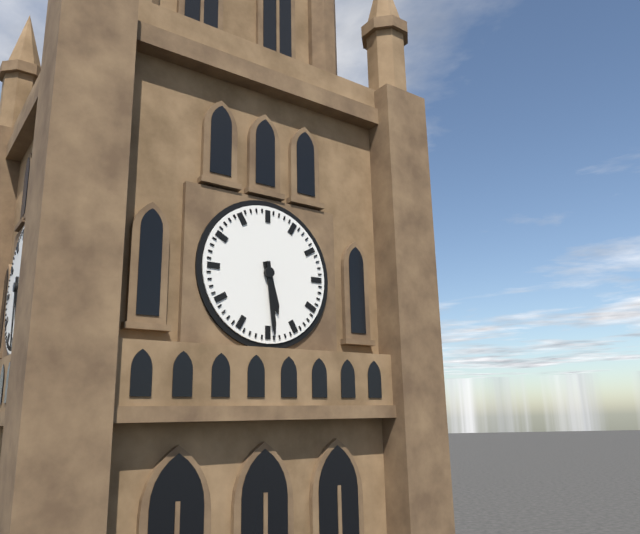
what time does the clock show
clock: 5:29
